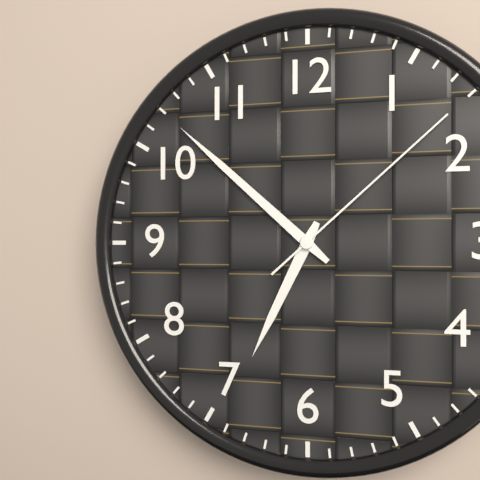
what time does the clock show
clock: 6:52:08
